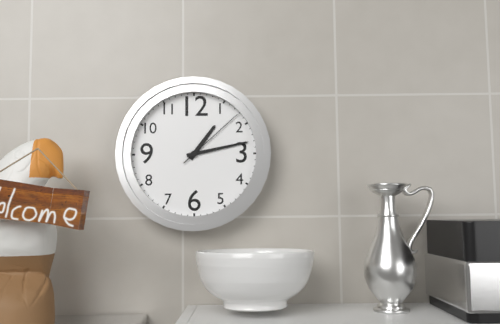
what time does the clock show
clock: 1:13:08
